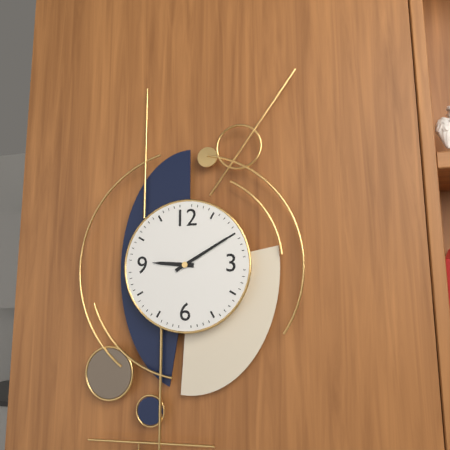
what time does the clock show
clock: 9:10
